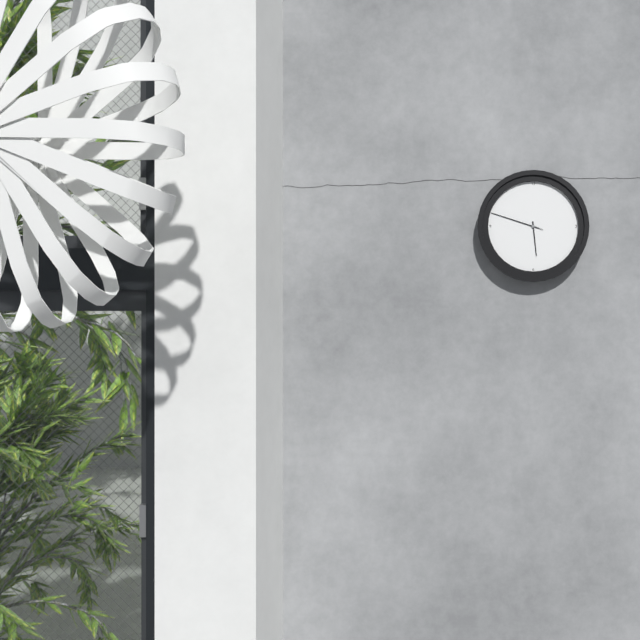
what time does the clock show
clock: 5:48:48
